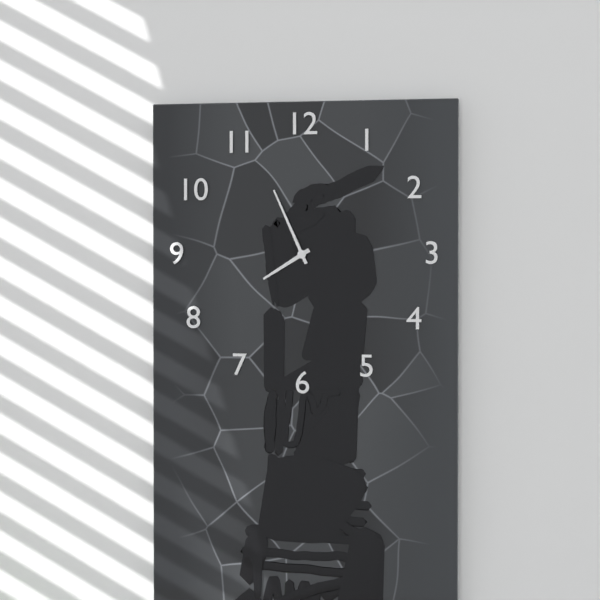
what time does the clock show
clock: 7:56
